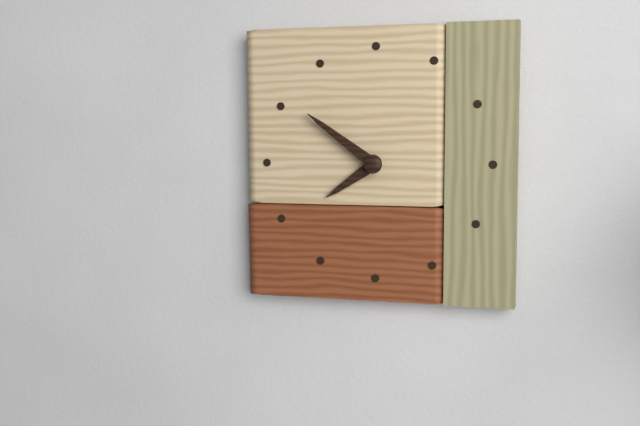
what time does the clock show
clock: 7:51
